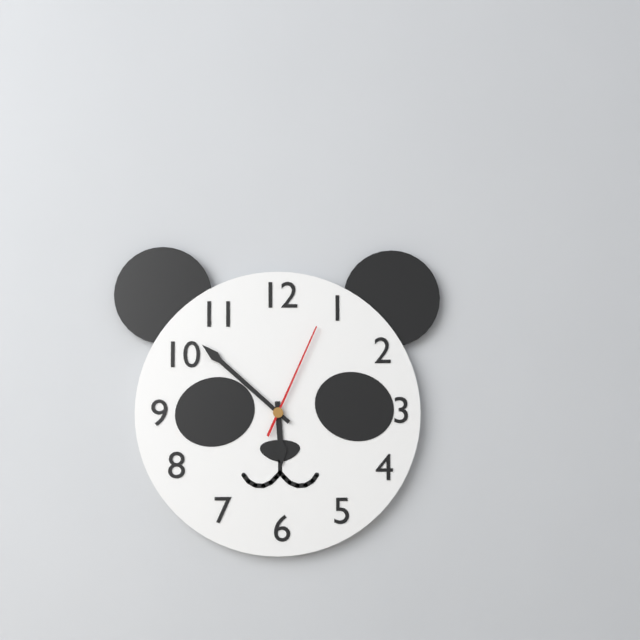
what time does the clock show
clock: 5:52:04
